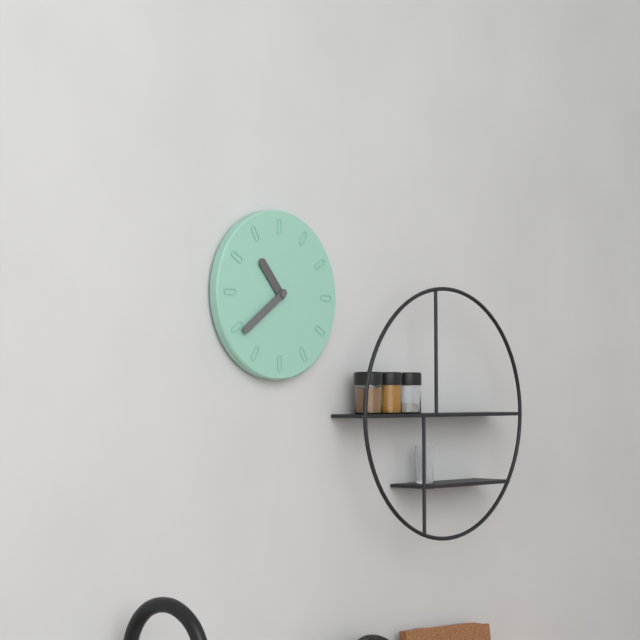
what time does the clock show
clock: 10:39
